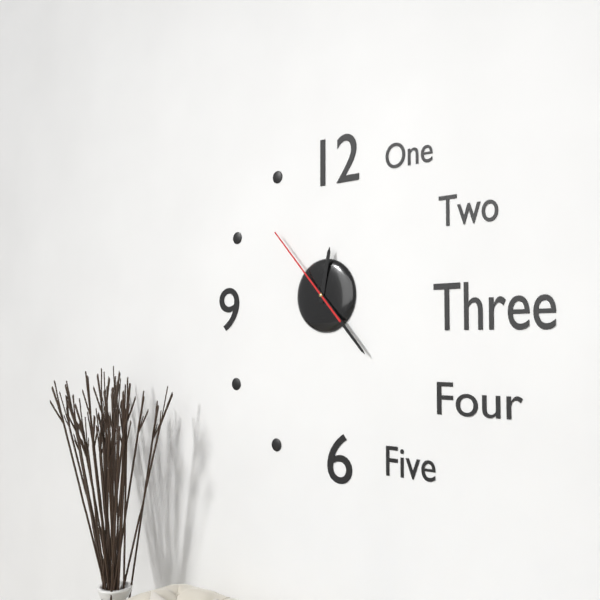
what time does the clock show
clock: 12:23:53
